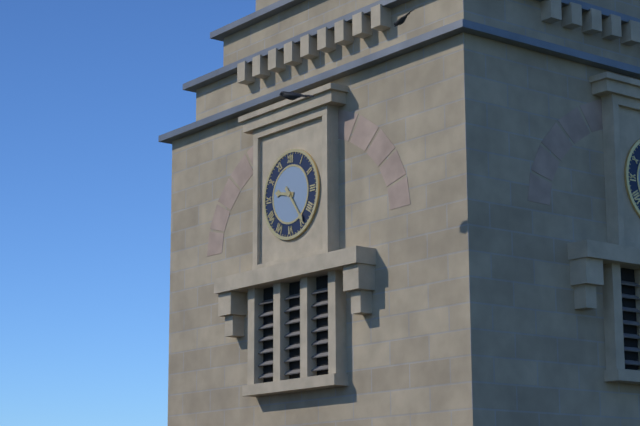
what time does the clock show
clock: 9:24
